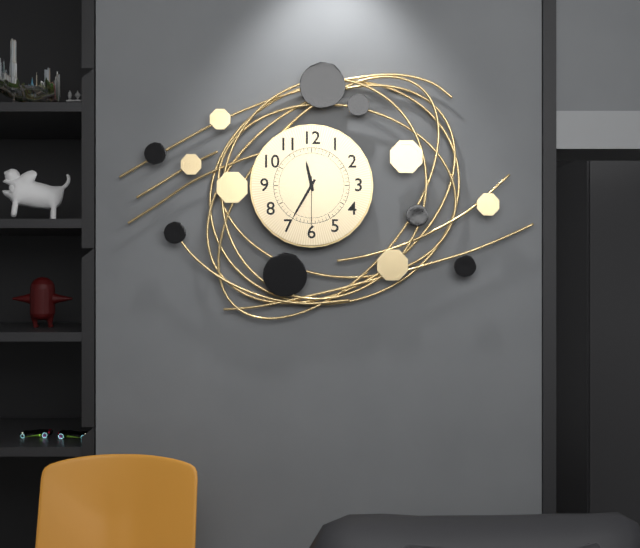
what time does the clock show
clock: 11:35:30
